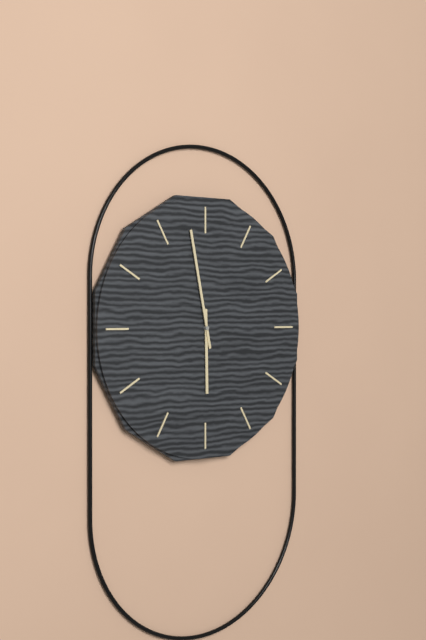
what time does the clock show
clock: 5:58
